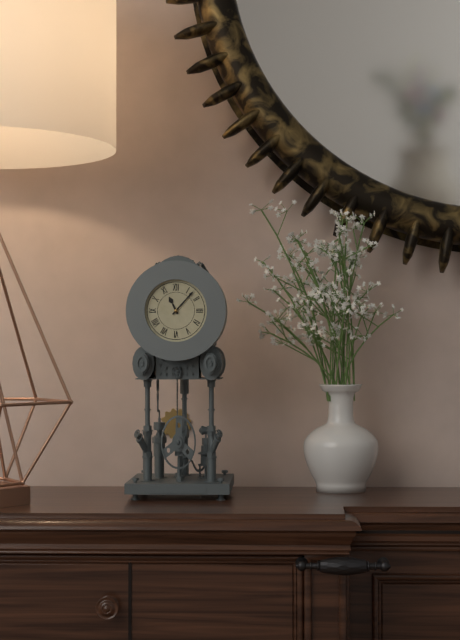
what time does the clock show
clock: 11:07
